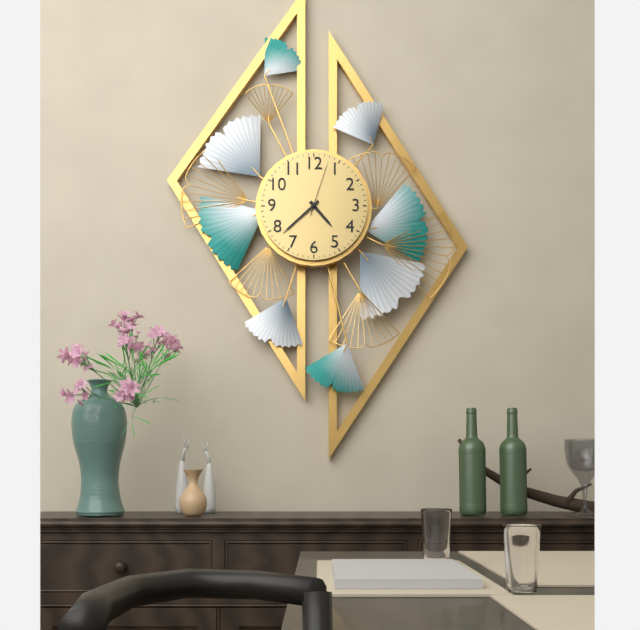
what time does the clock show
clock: 4:38:03
